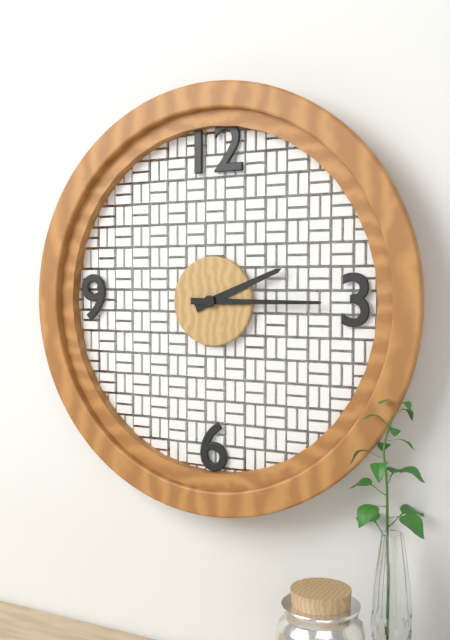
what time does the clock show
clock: 2:15
